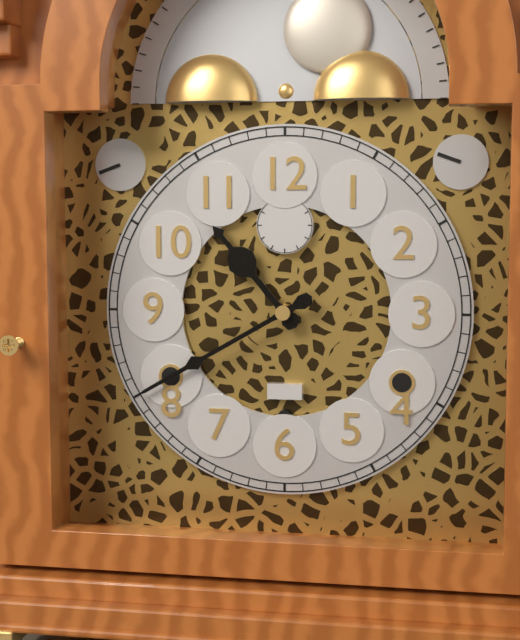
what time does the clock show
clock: 10:40
